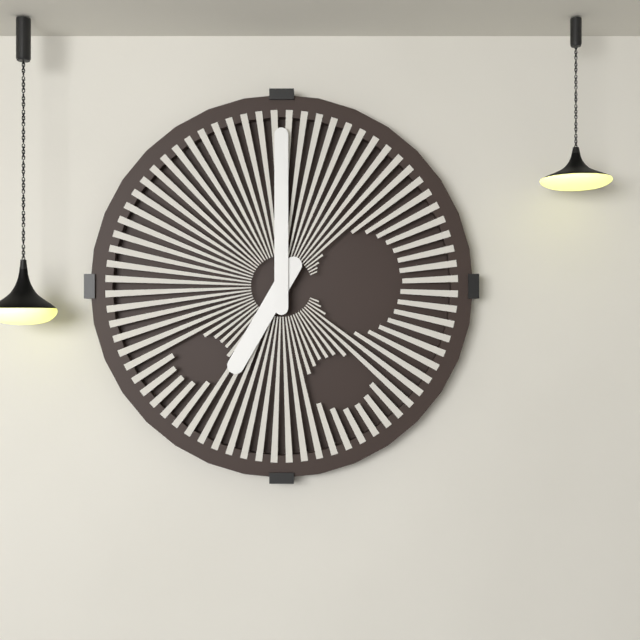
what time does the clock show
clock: 7:00
